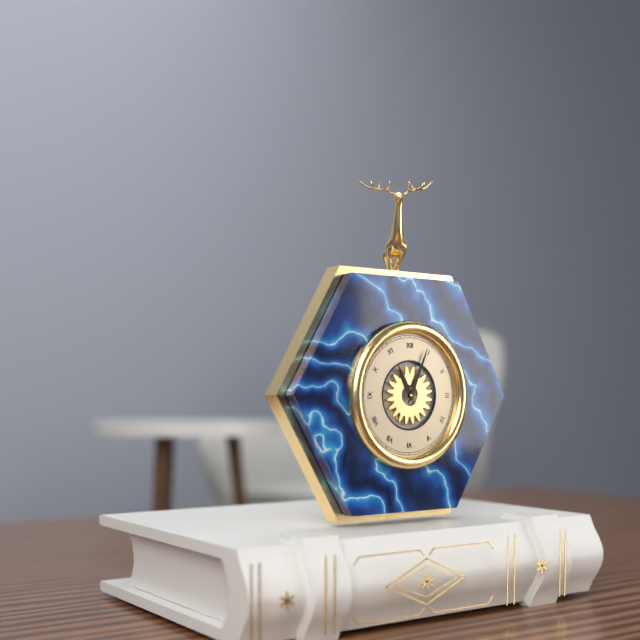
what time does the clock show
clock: 11:04
